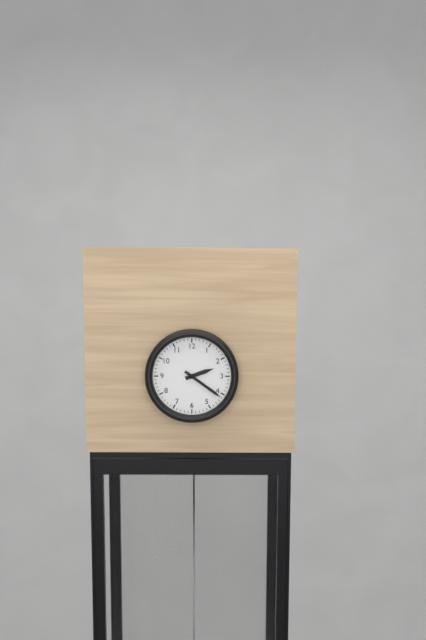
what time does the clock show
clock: 2:21
